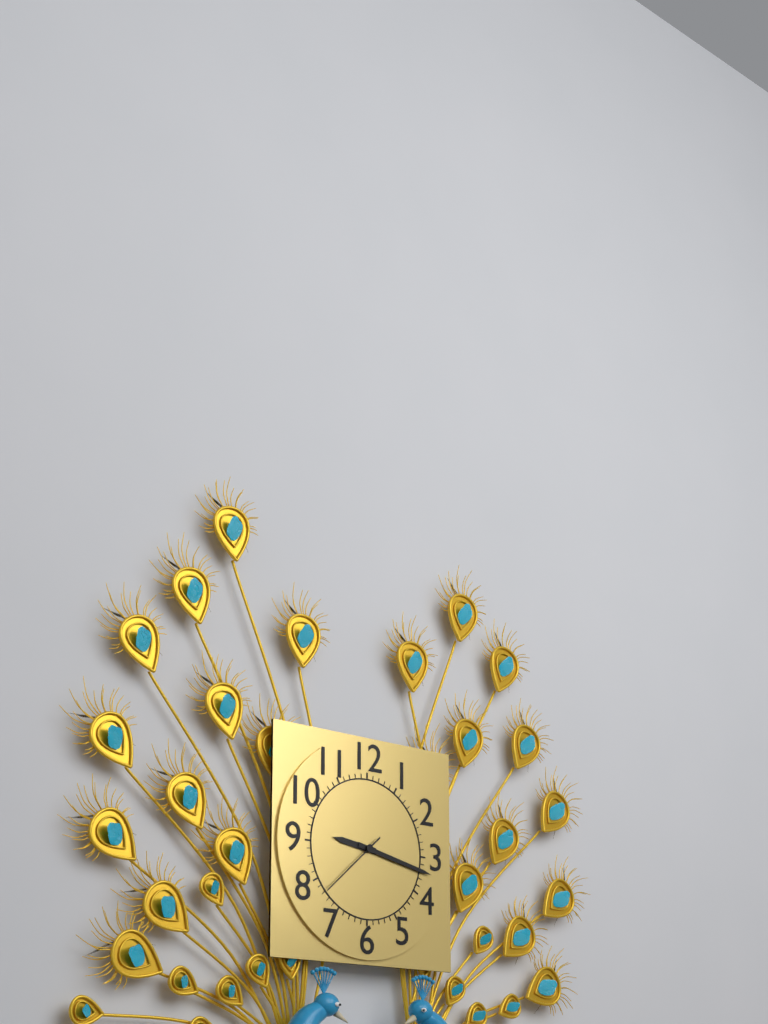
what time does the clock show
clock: 9:17:38
